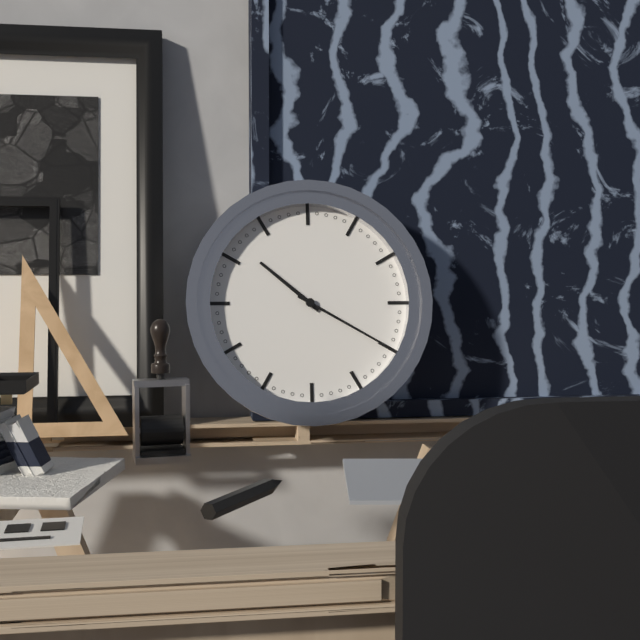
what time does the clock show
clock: 10:20
